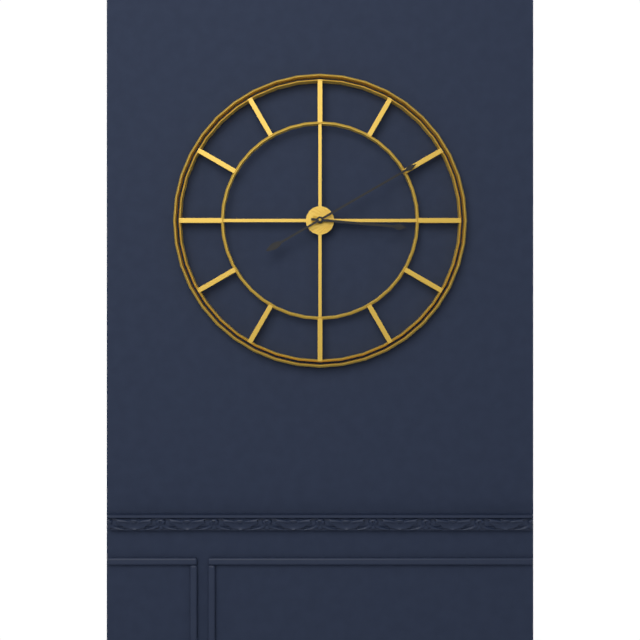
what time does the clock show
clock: 3:10
